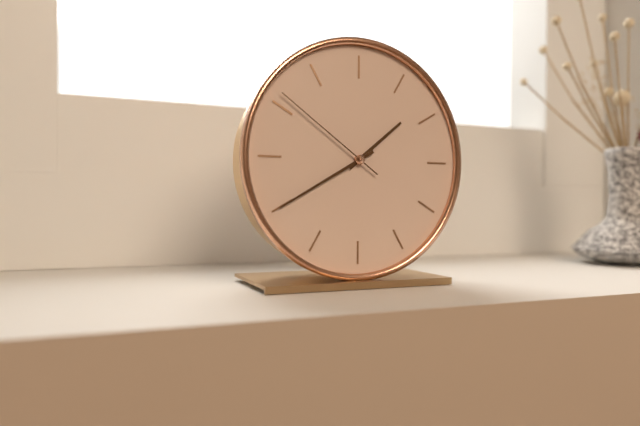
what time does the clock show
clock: 1:40:51
